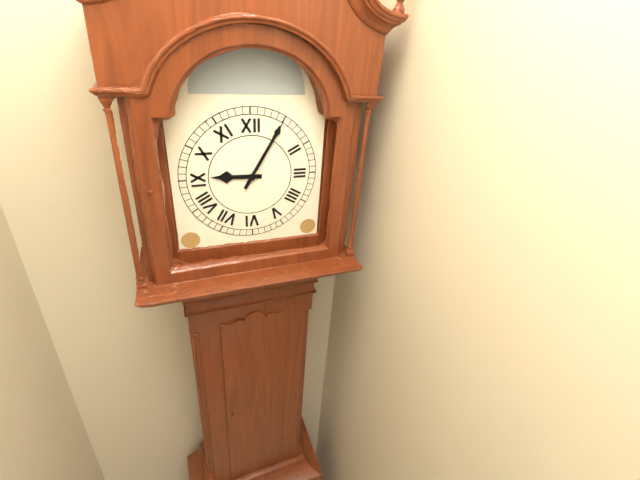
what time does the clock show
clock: 9:05
